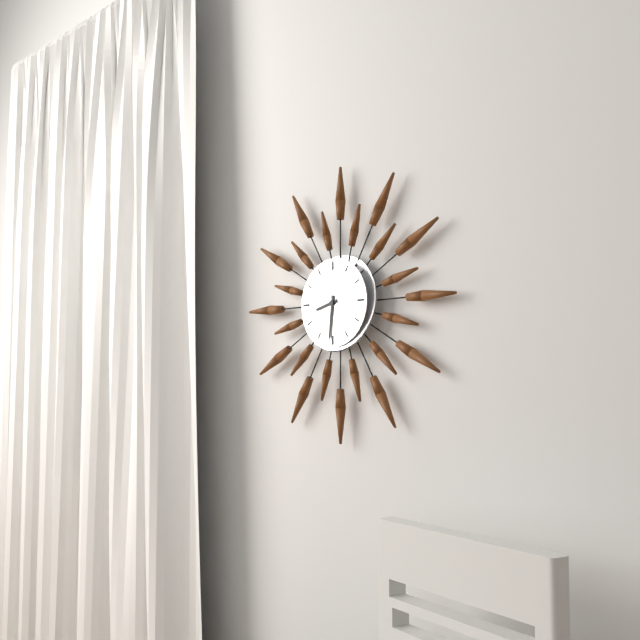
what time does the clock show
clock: 8:31
